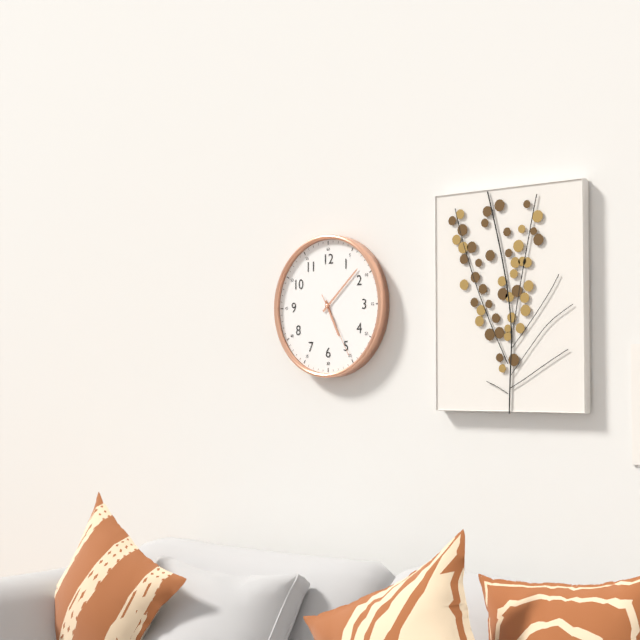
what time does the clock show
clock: 5:08:25
